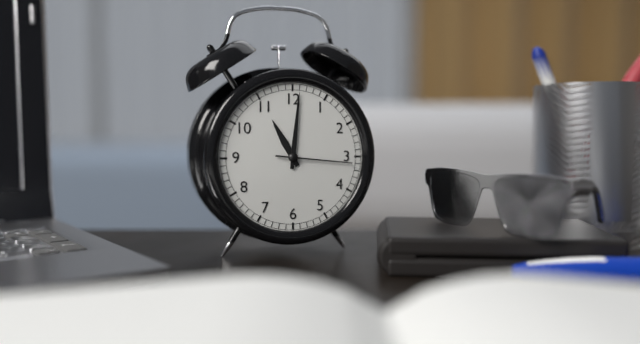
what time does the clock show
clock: 11:01:16
